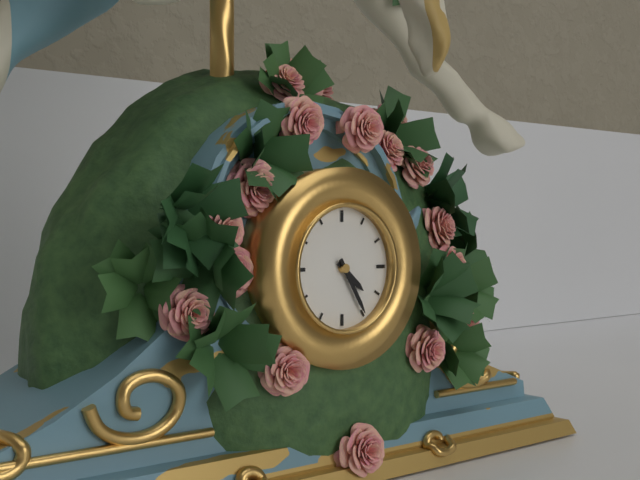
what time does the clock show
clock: 4:25
